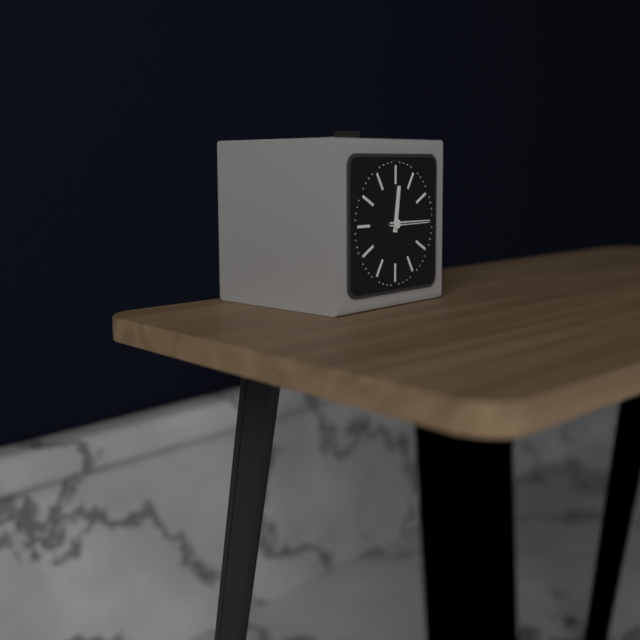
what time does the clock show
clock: 12:15
